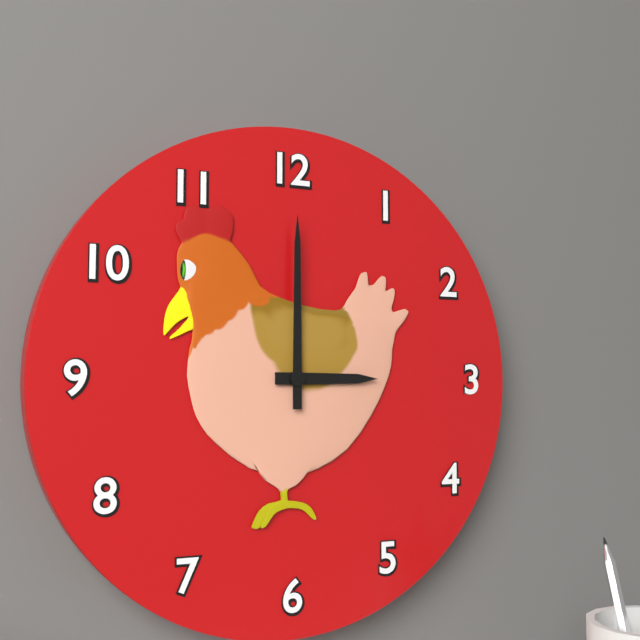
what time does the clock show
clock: 3:00
